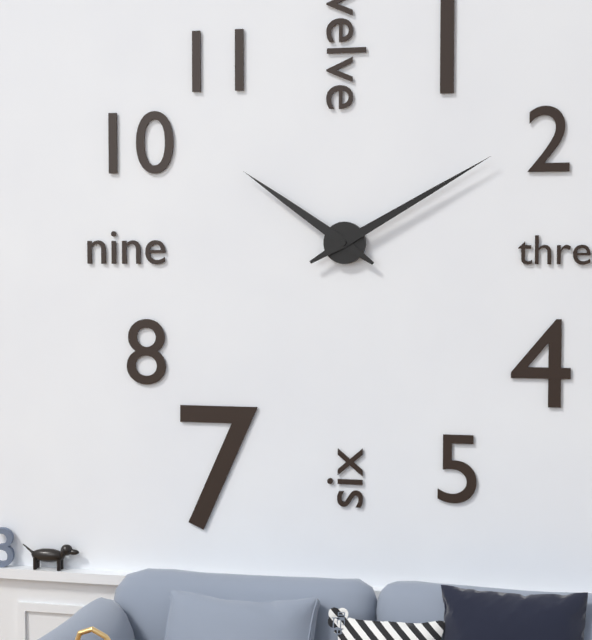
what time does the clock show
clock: 10:10
